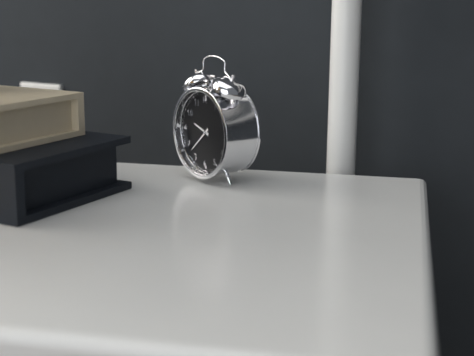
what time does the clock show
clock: 9:38
